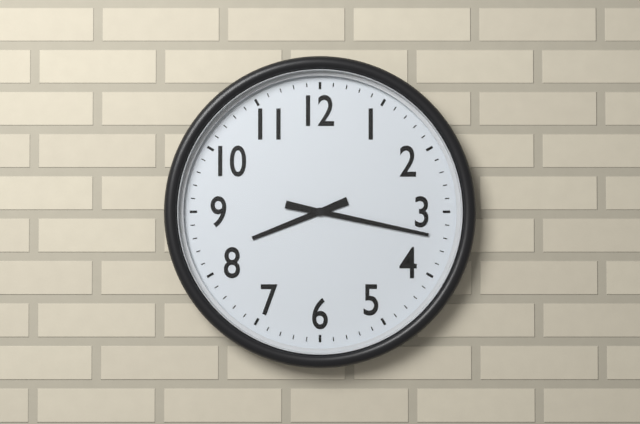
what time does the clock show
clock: 8:17
